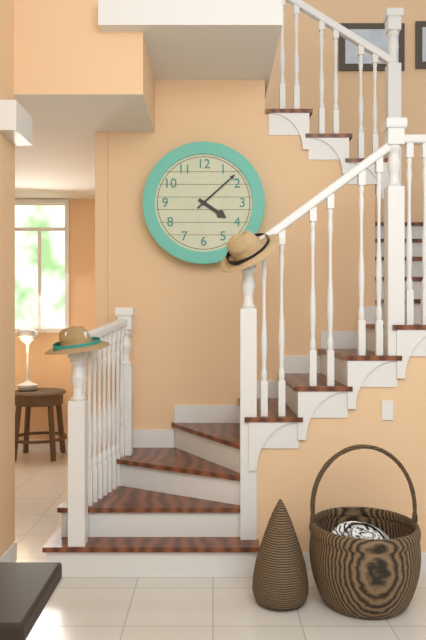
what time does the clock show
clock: 4:08
